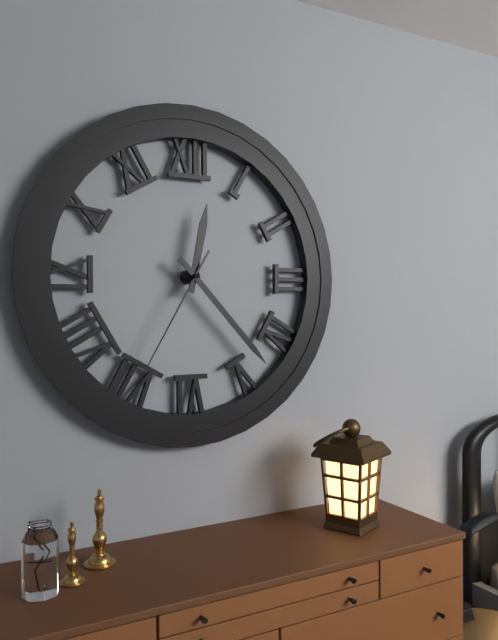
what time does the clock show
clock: 12:23:35
